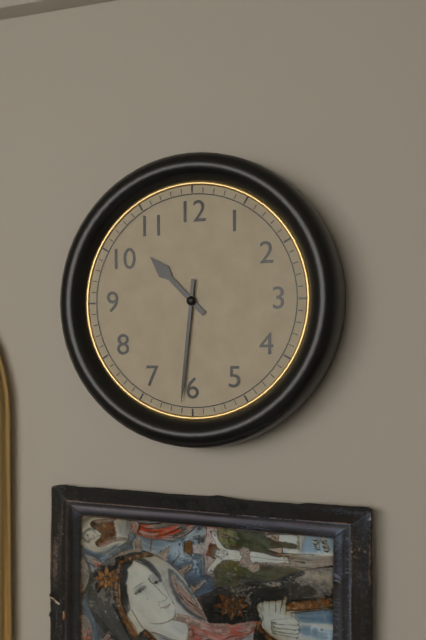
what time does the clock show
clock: 10:31
